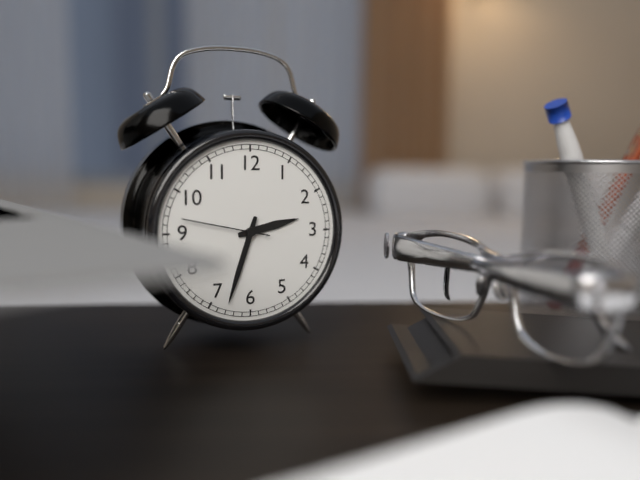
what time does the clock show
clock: 2:33:47
